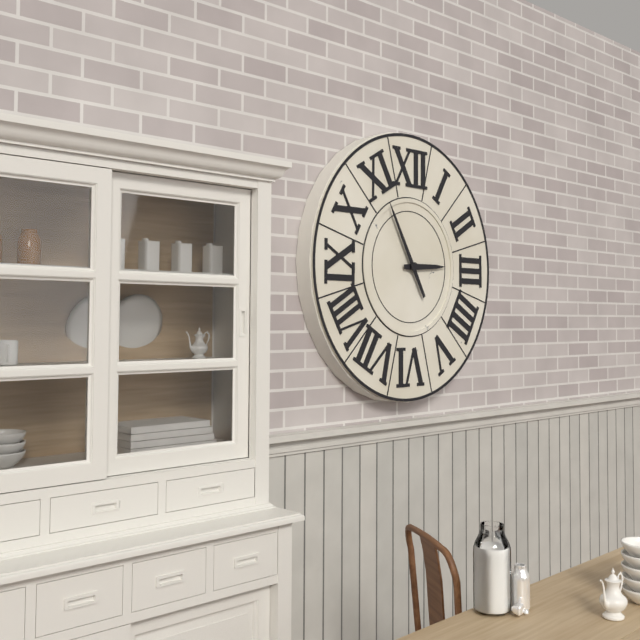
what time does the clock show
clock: 2:55
